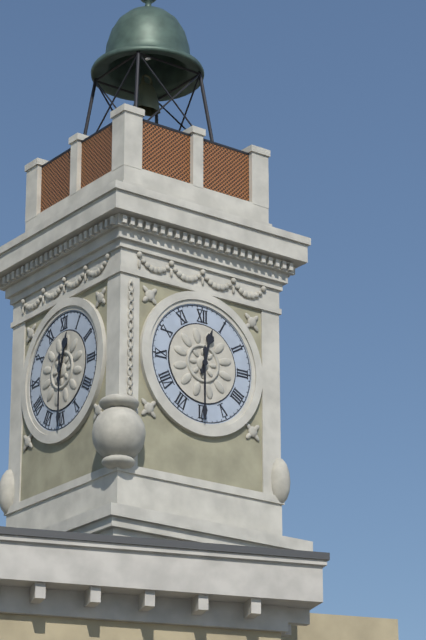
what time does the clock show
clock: 12:30
